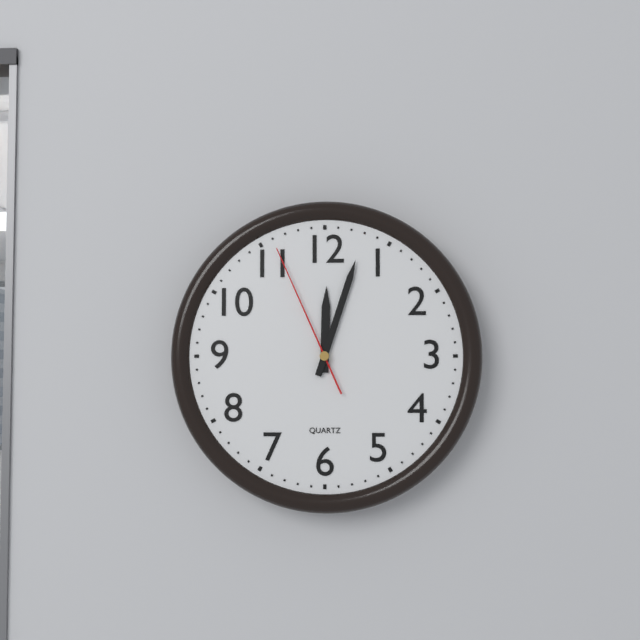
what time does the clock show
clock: 12:03:56
